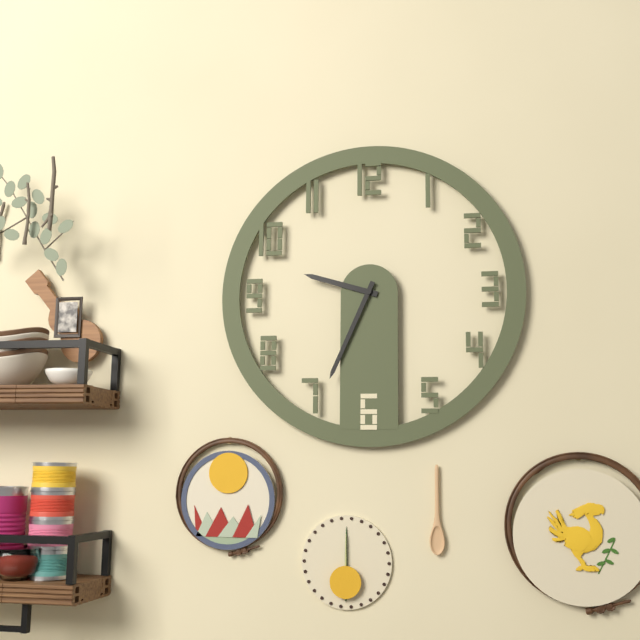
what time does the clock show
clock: 9:34
